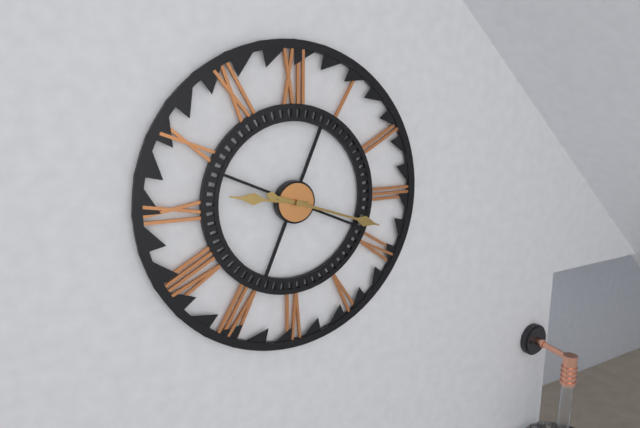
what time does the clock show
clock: 9:18
